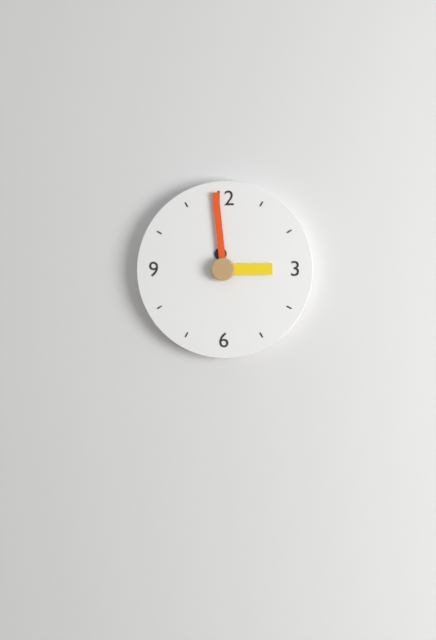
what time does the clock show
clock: 2:59
